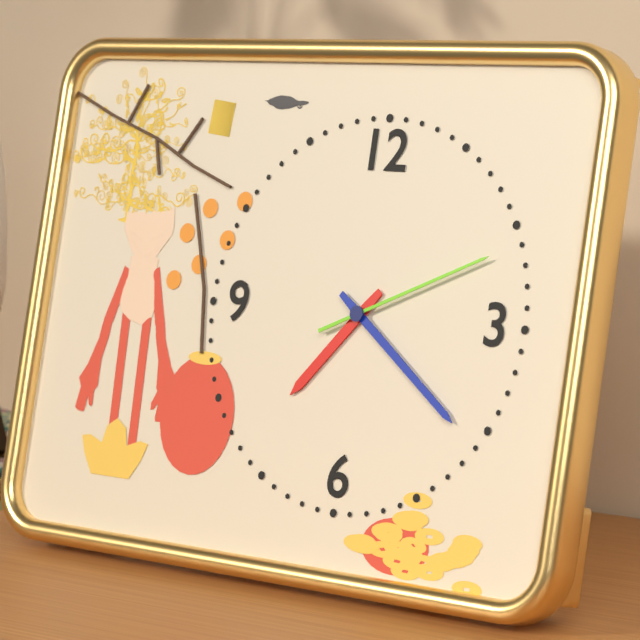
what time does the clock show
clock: 7:21:11
